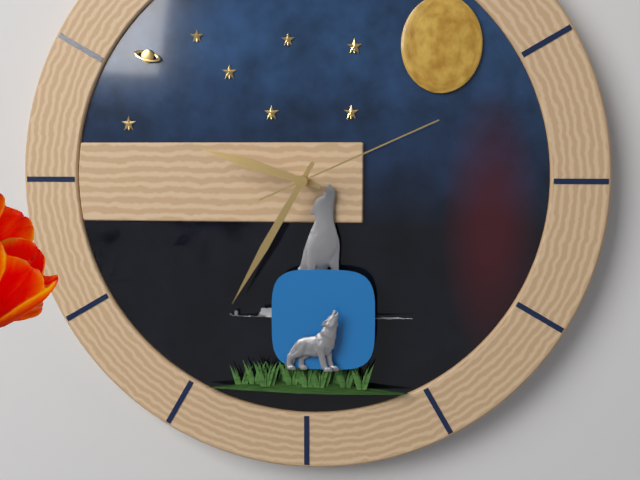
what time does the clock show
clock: 9:35:11
